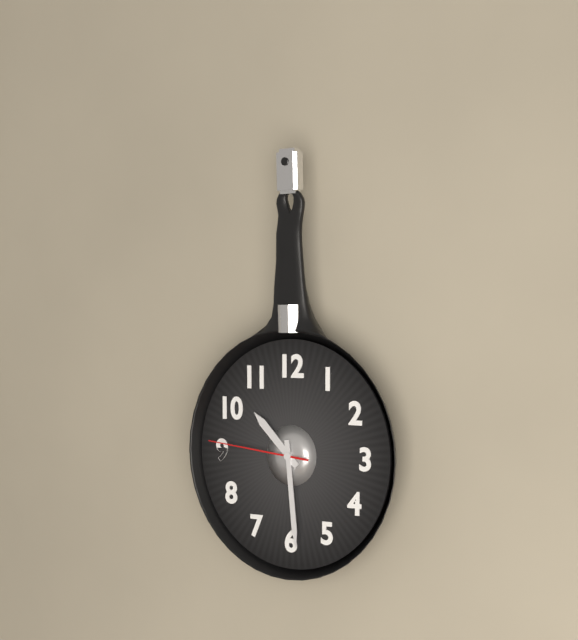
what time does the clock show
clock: 10:29:46
